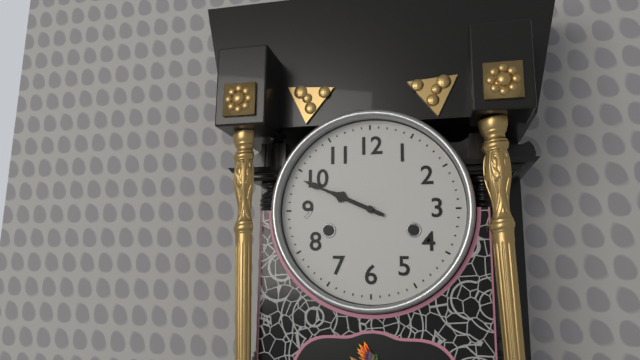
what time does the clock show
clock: 9:49
